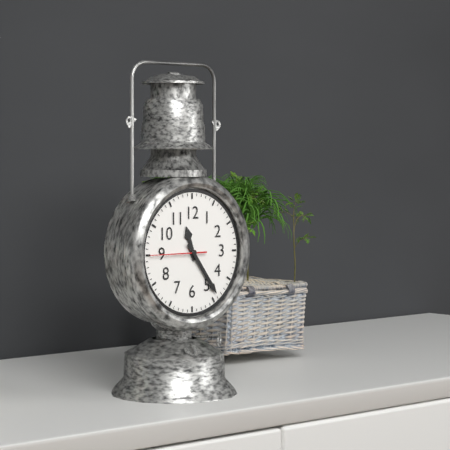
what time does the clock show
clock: 11:24:45
